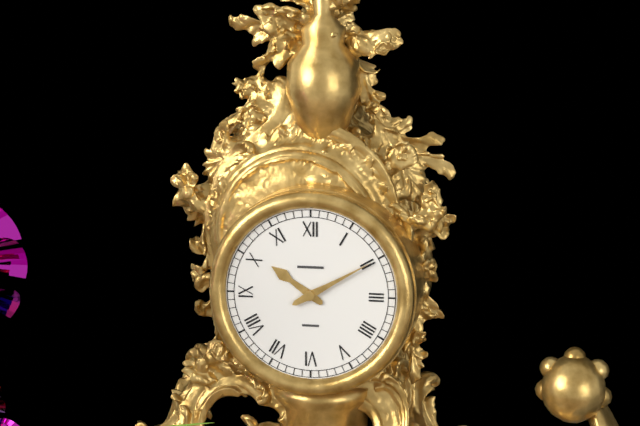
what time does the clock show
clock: 10:10
